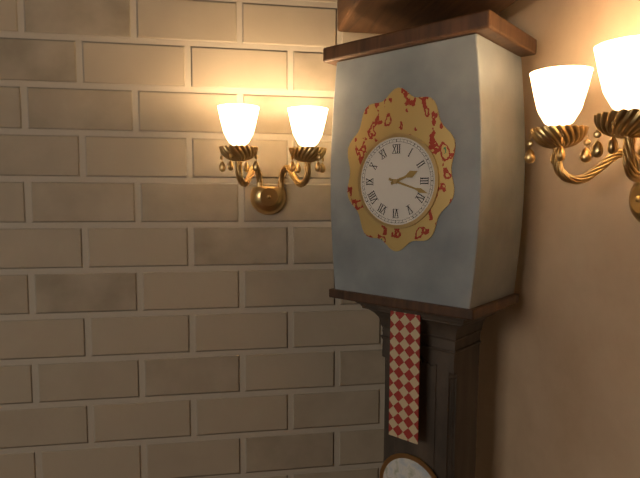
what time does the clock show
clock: 2:18
